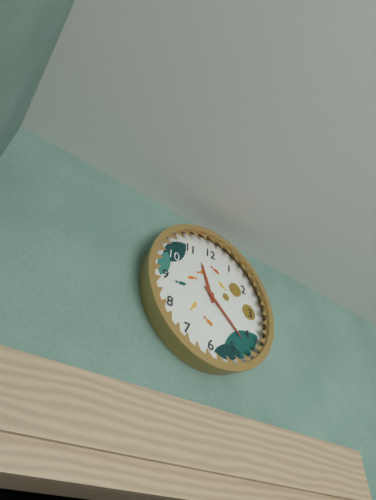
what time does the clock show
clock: 11:22
